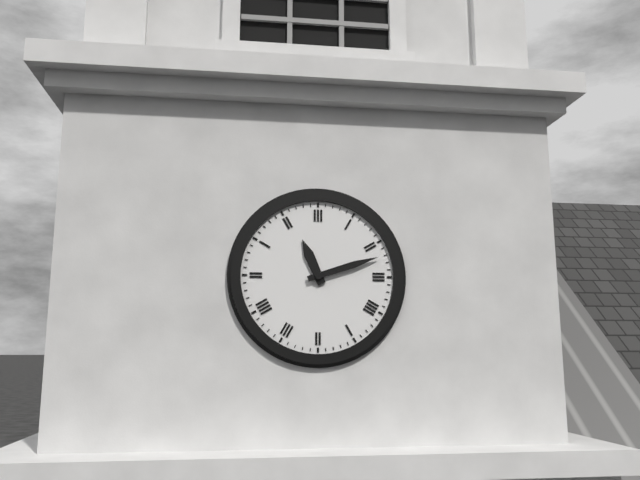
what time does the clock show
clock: 11:12
